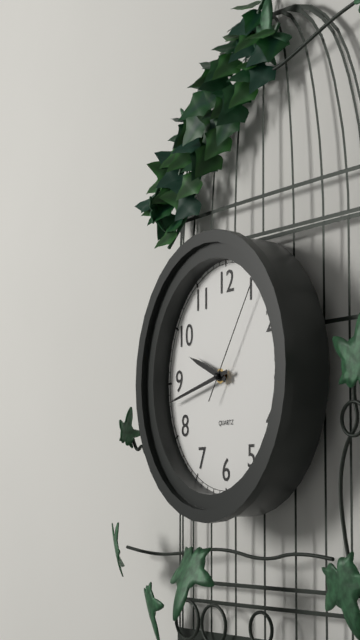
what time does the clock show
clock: 9:43:06
